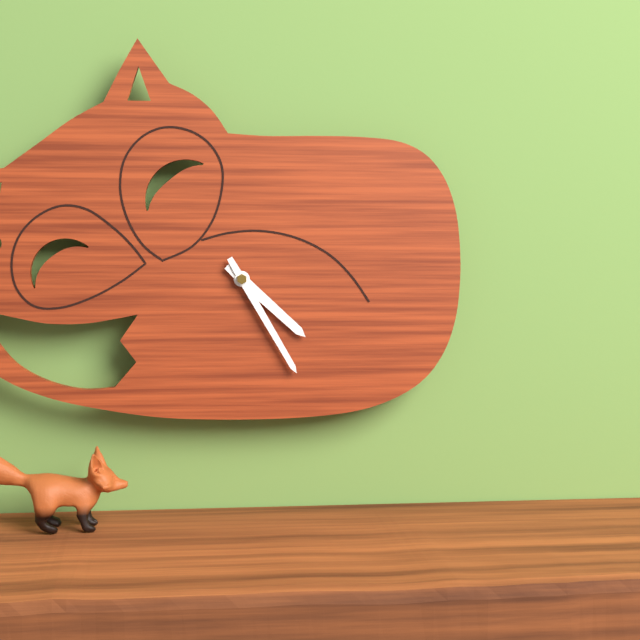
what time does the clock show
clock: 4:25
